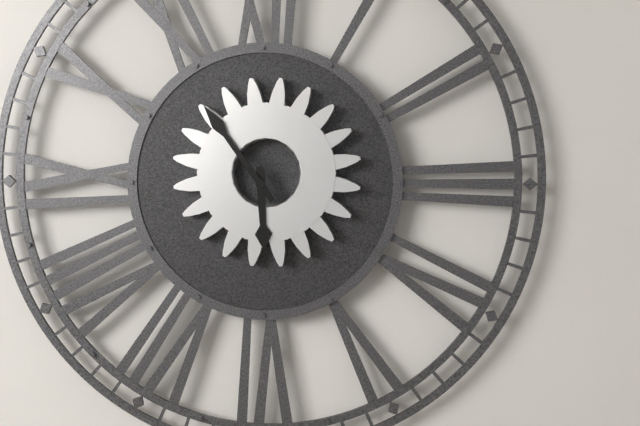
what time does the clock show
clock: 5:54
